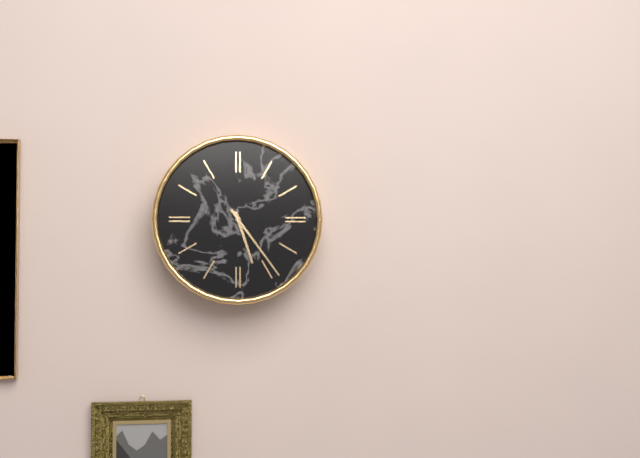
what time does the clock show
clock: 5:24
